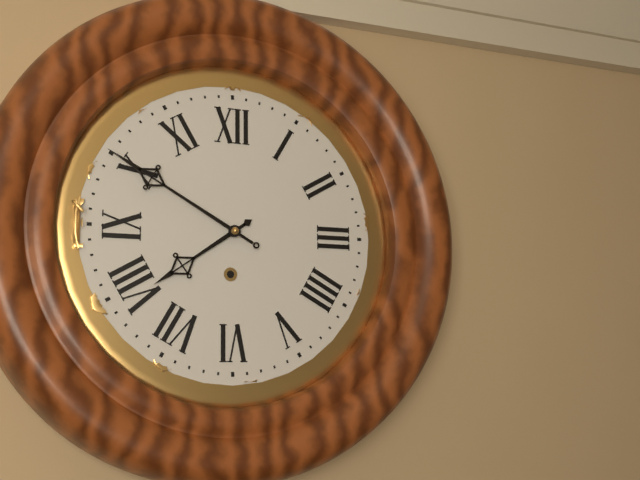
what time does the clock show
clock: 7:50
